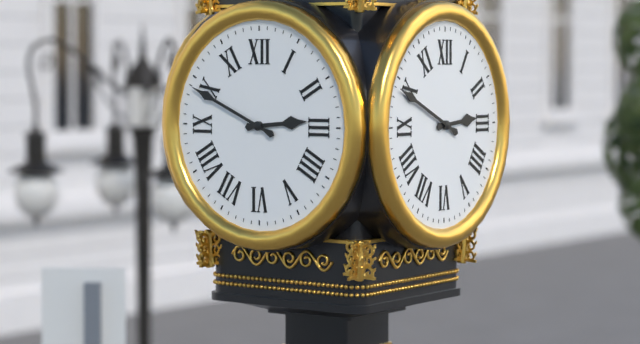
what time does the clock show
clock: 2:49
